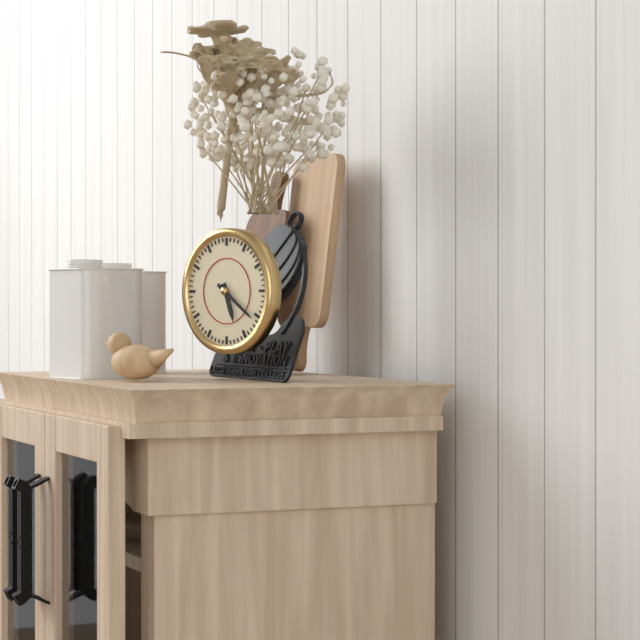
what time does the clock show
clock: 5:21
